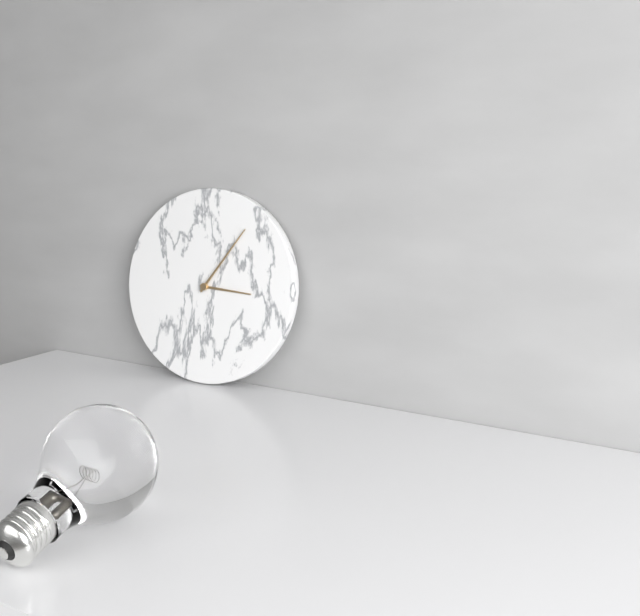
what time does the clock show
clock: 3:06
